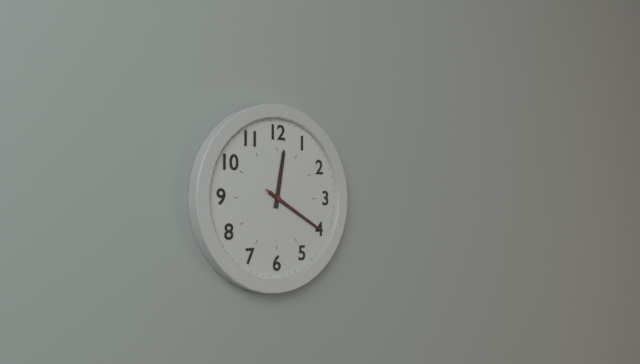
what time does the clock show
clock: 12:20:20
